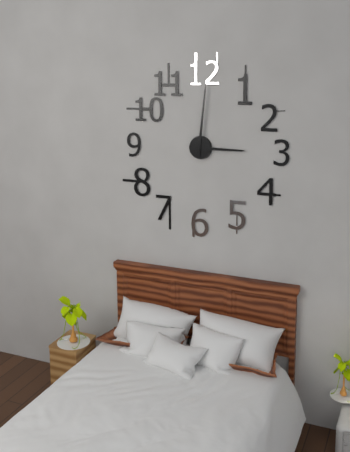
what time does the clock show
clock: 3:01
